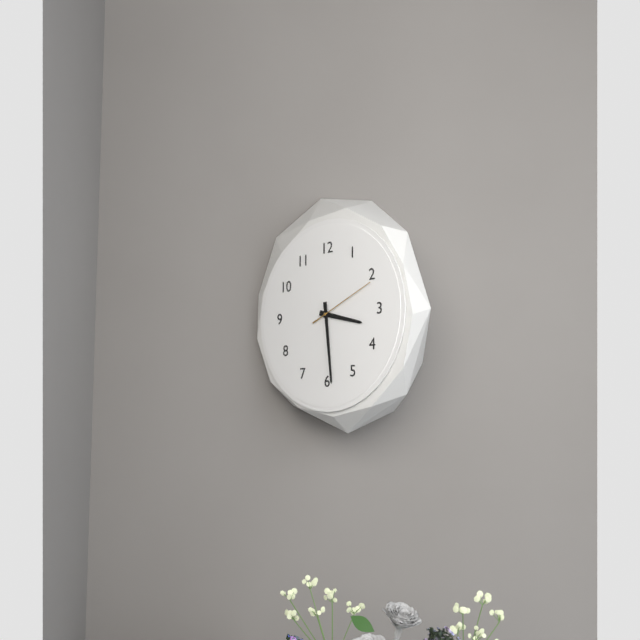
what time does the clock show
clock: 3:29:11
